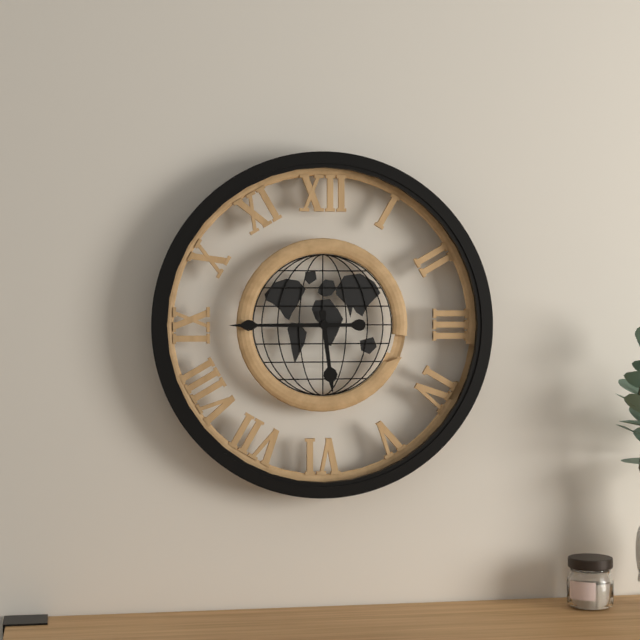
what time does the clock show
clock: 5:45
